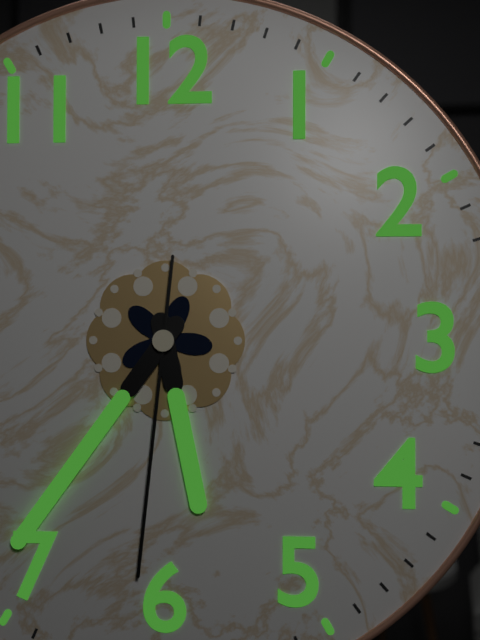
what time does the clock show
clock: 5:36:31
